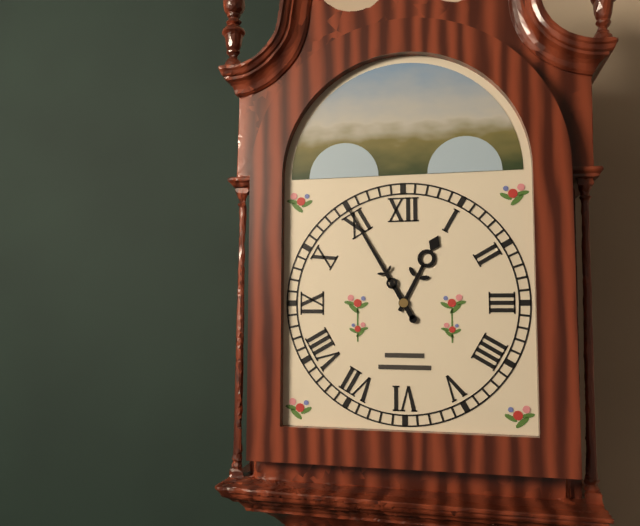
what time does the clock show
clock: 12:55
